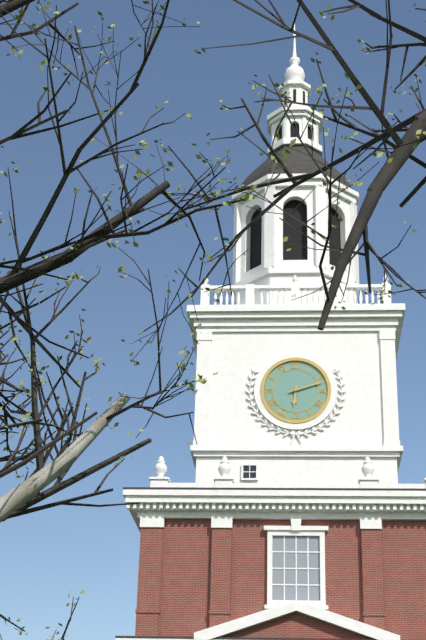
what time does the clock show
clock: 6:12
